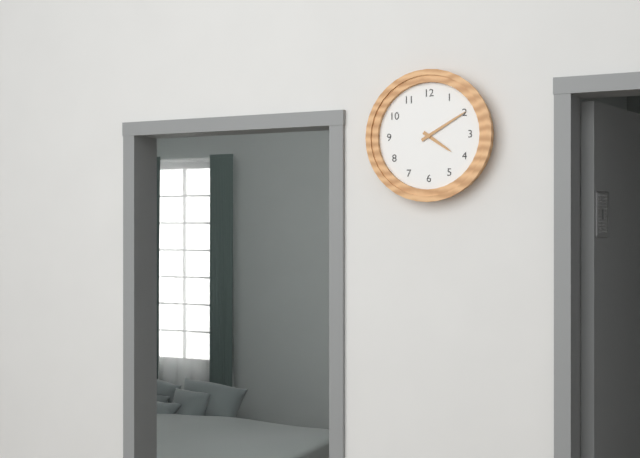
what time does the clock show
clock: 4:10
